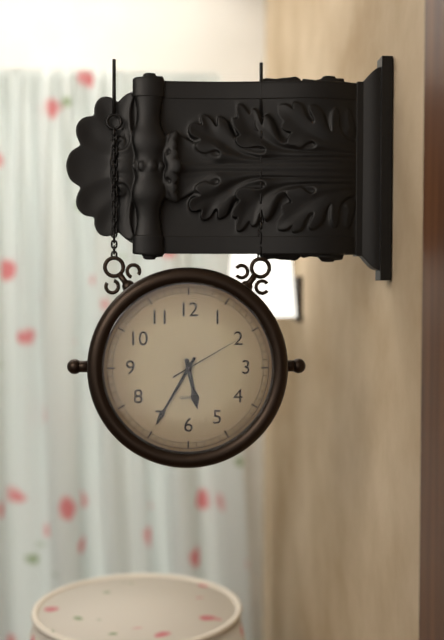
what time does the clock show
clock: 5:35:10
